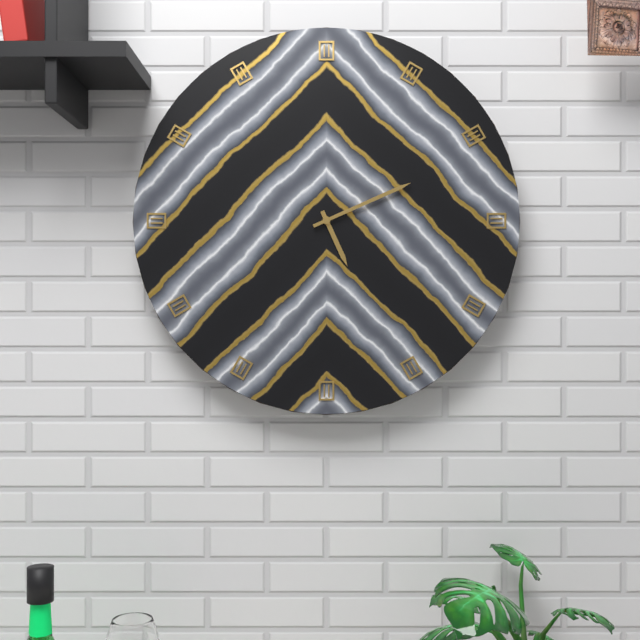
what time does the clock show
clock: 5:11
